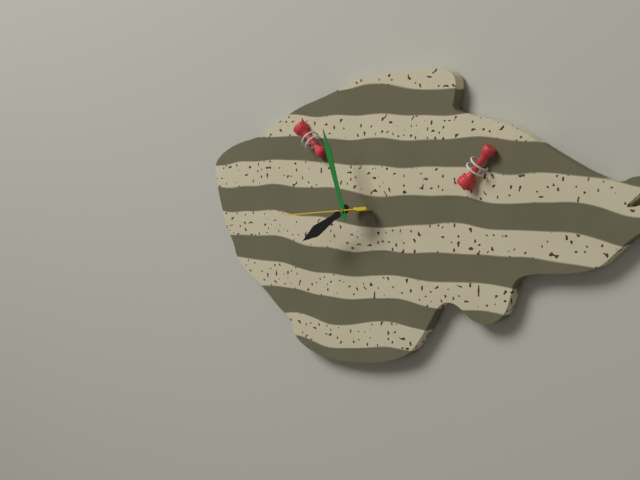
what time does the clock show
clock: 7:57:44
